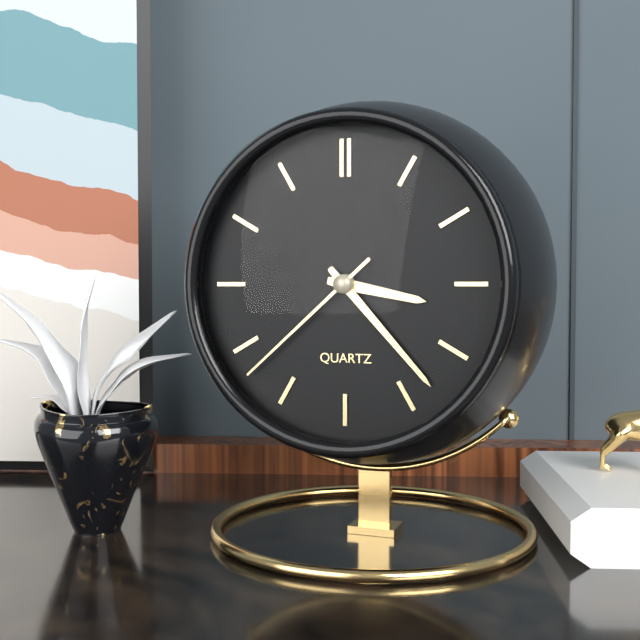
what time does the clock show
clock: 3:23:38
